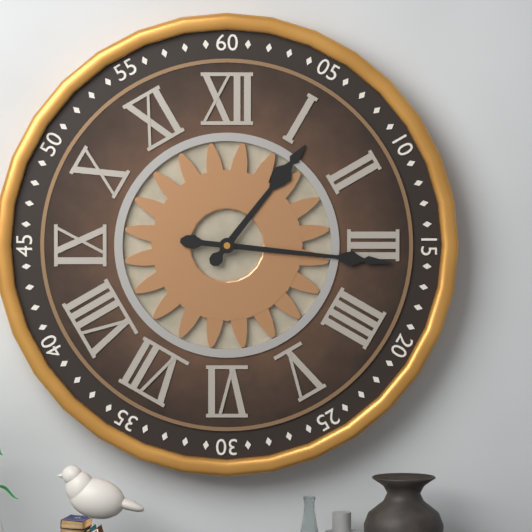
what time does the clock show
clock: 1:16
